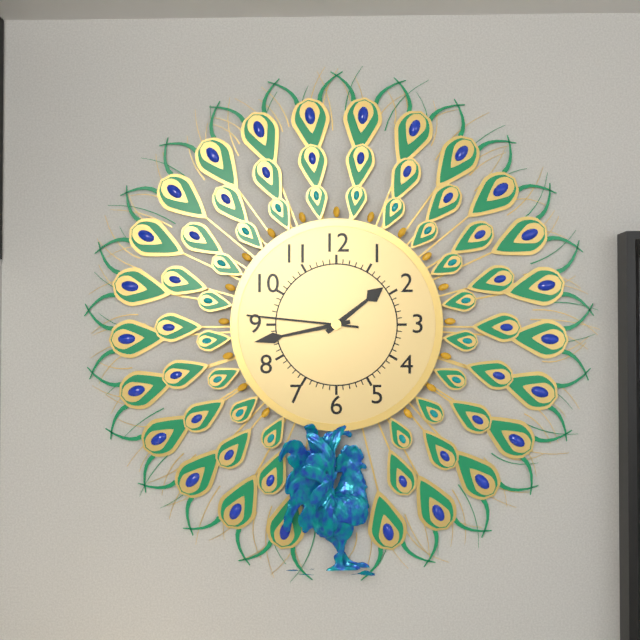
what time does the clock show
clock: 1:43:46
